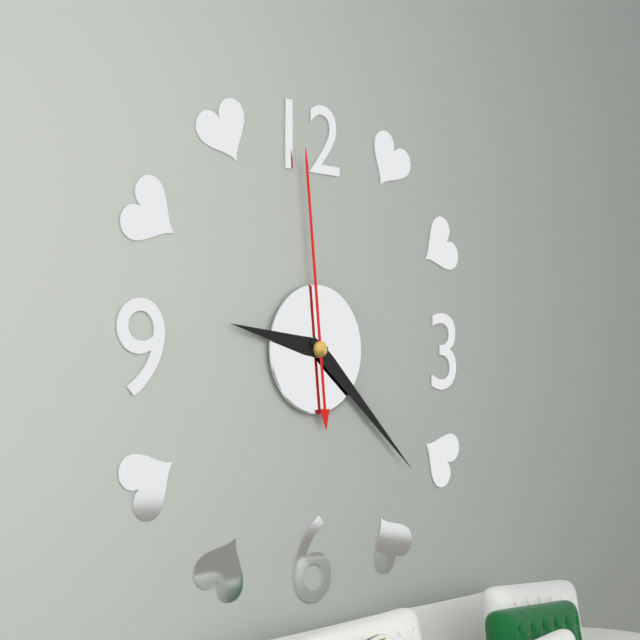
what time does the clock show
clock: 9:22:59
